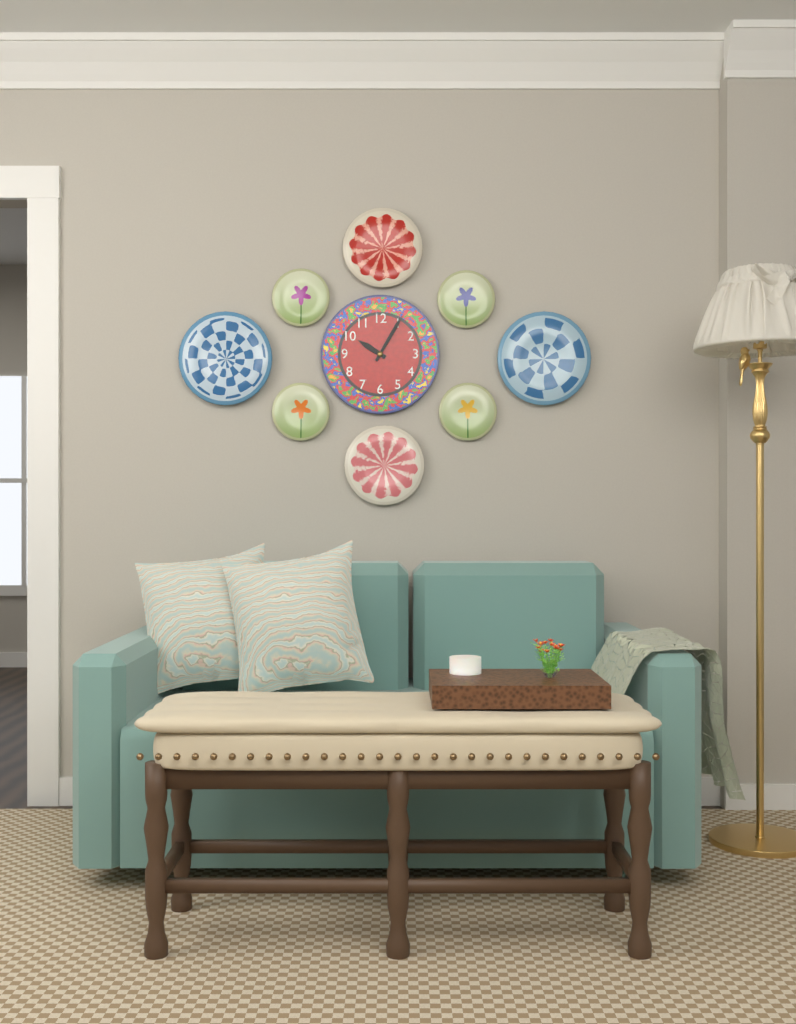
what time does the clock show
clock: 10:05
